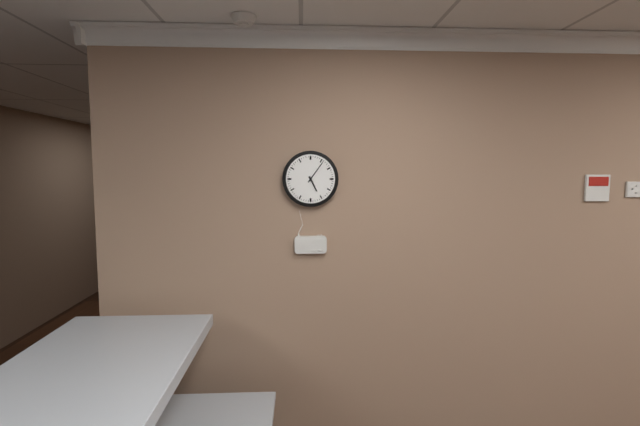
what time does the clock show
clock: 5:06
